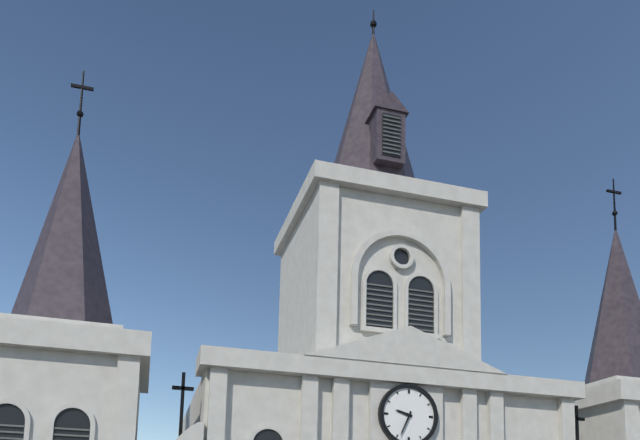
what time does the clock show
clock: 9:34
